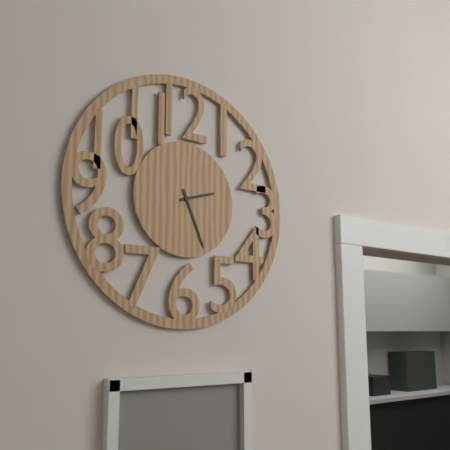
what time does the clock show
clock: 2:26
